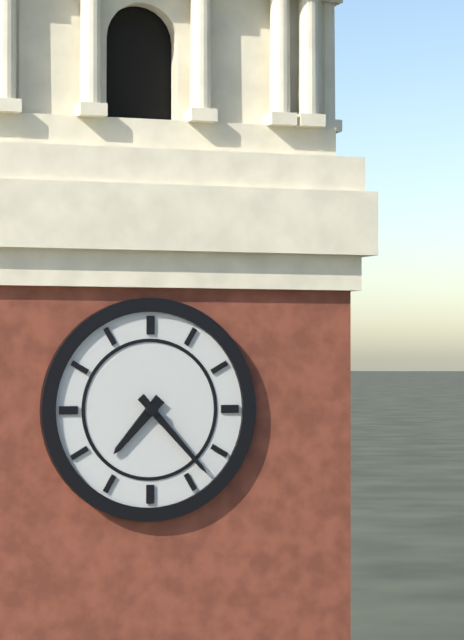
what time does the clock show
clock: 7:23
